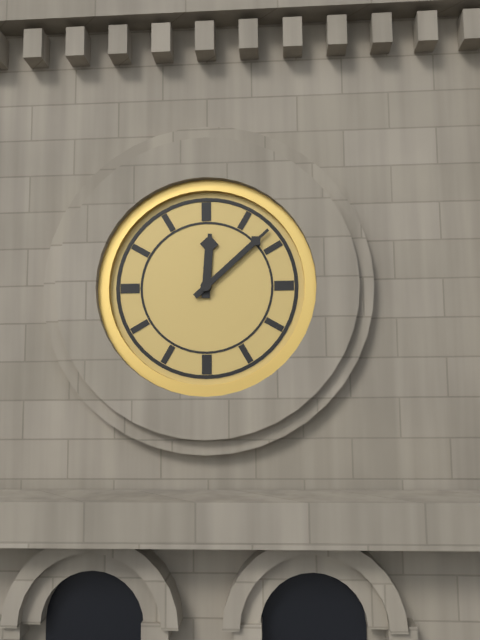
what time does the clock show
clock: 12:08
